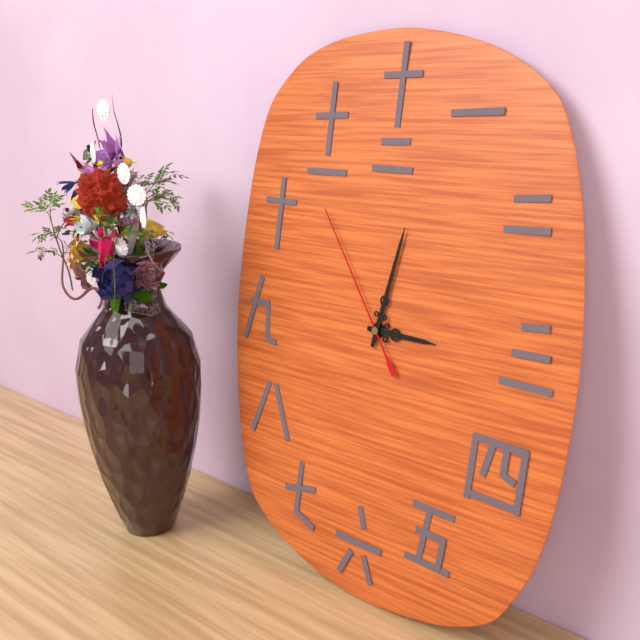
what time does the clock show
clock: 3:02:54
